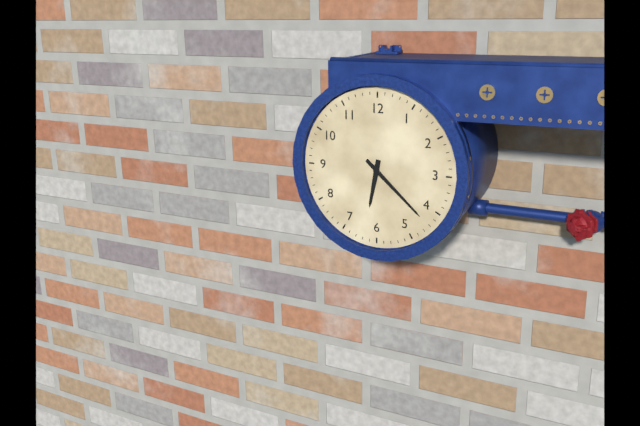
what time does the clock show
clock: 6:22
